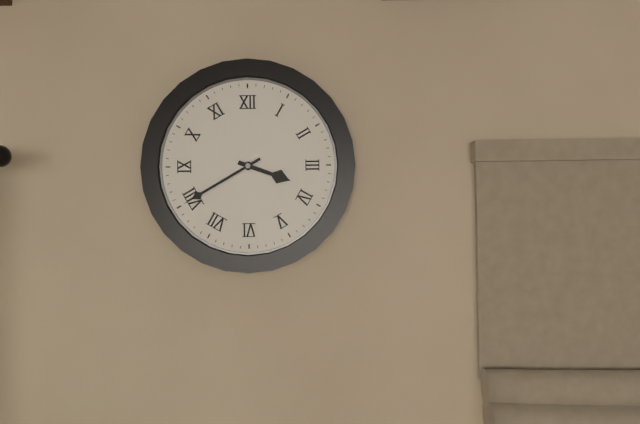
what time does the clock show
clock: 3:40
